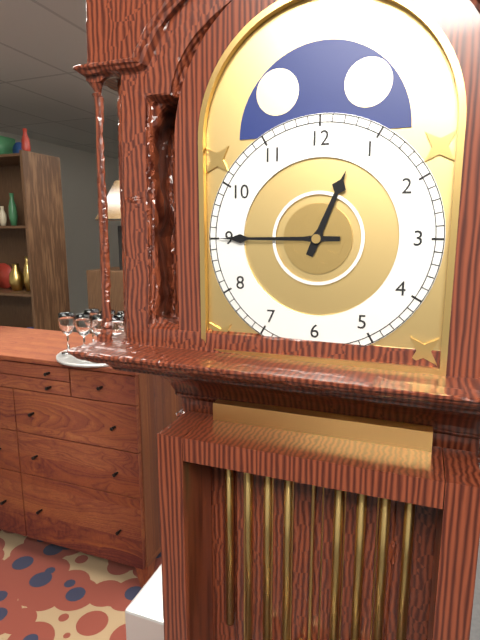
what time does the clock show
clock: 12:45
